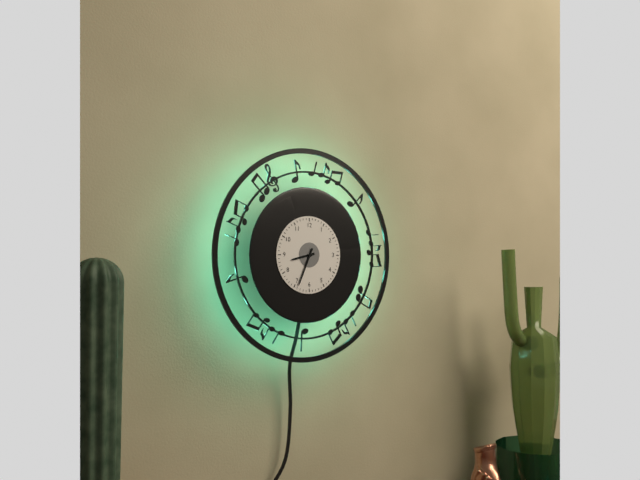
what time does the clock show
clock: 8:34
